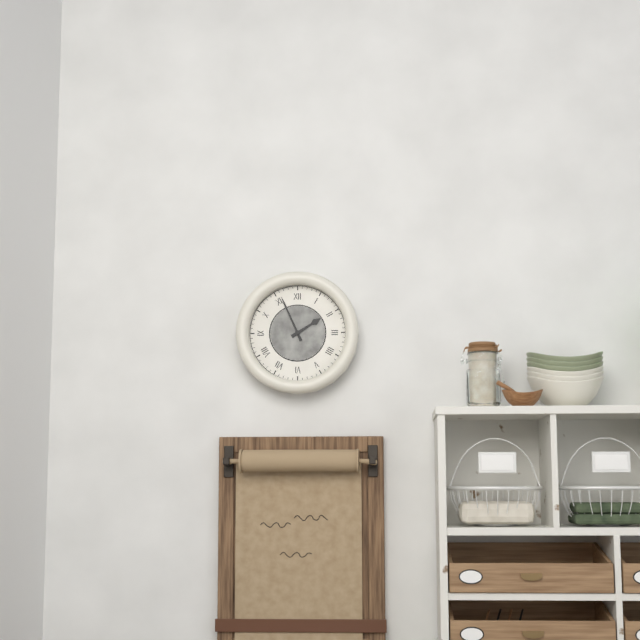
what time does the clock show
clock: 1:56
